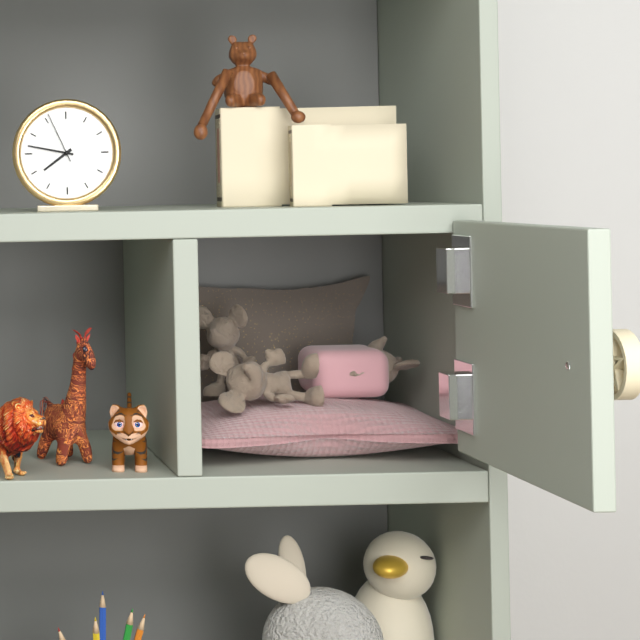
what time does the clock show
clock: 7:47:56
